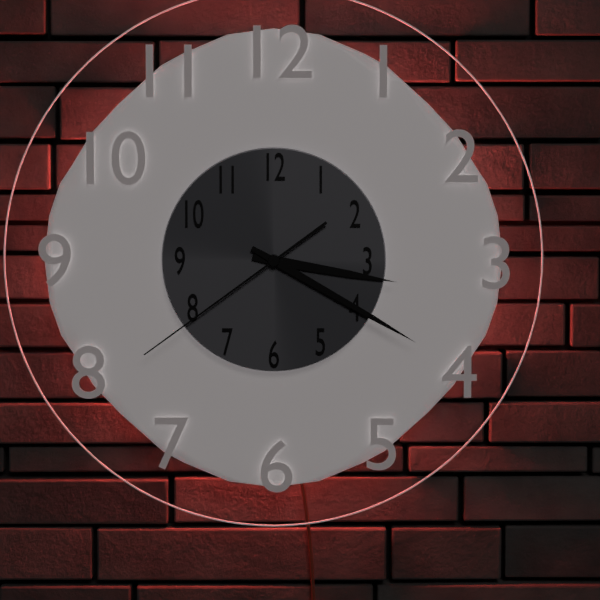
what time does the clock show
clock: 3:20:39
